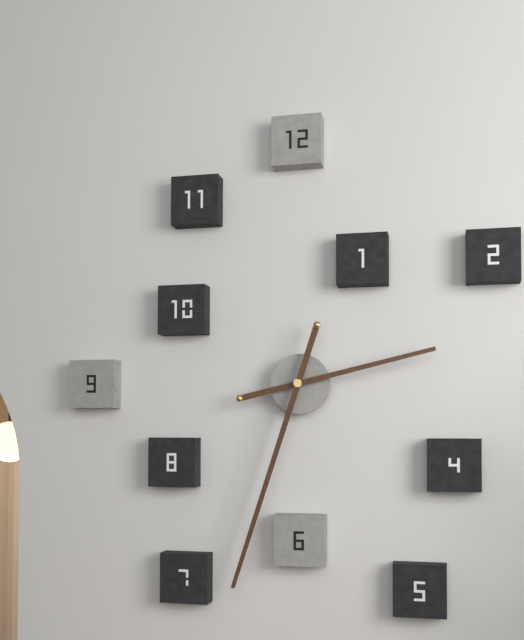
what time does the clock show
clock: 2:33
